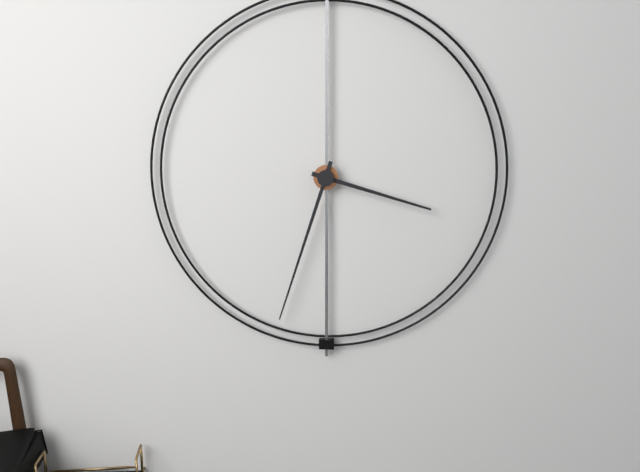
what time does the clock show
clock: 3:33
